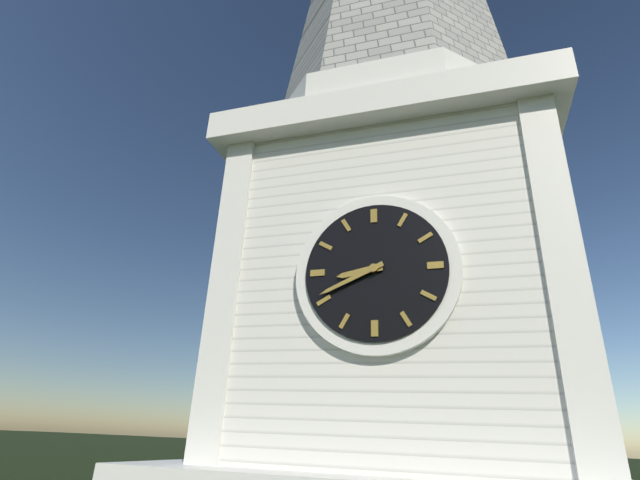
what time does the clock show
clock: 8:41
